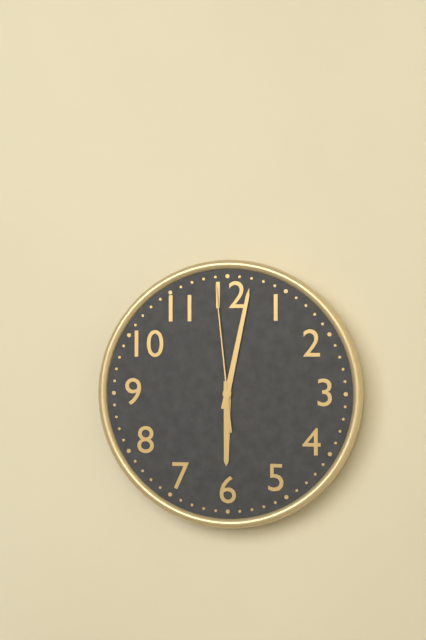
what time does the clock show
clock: 6:02:59
